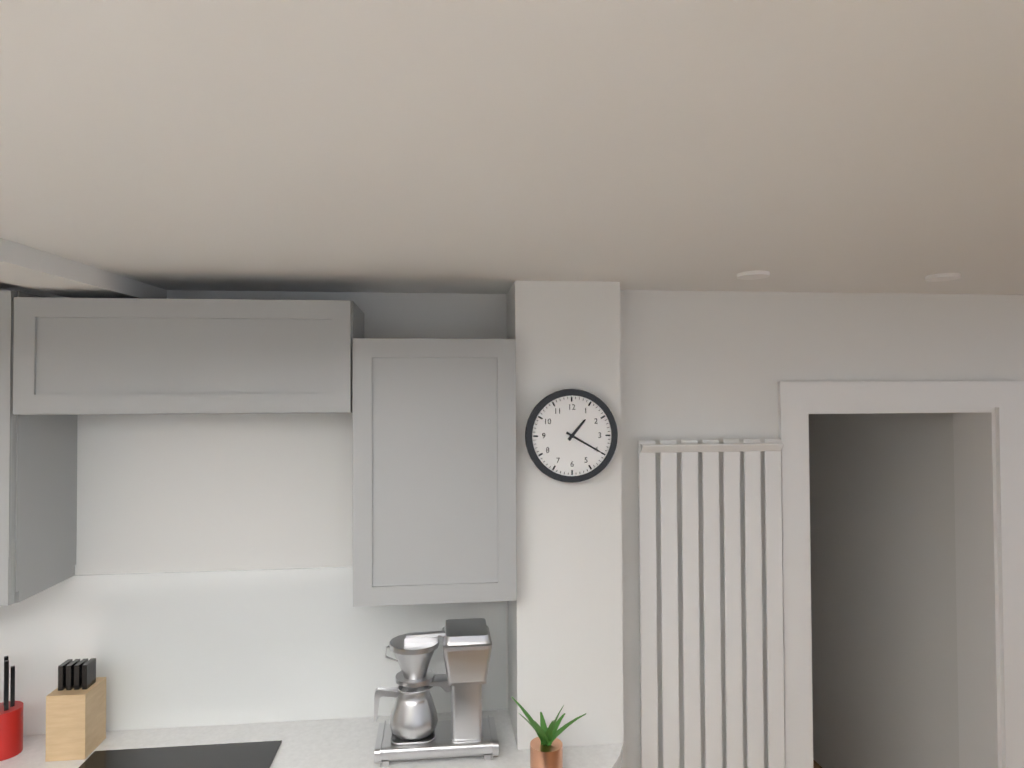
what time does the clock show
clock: 1:20
